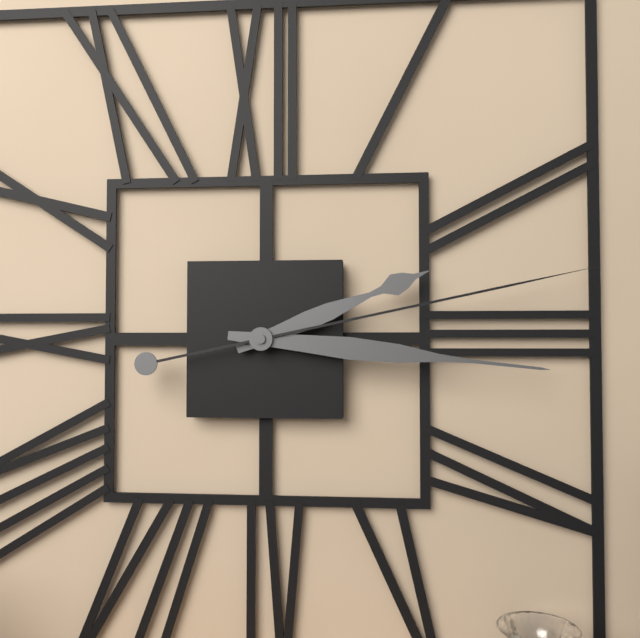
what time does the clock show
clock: 2:16:13
